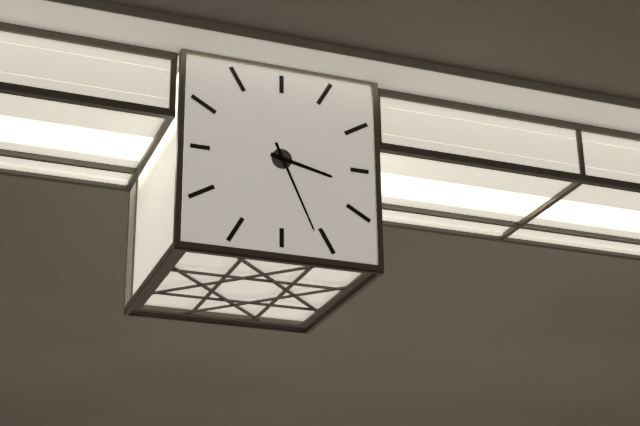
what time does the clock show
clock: 3:26
